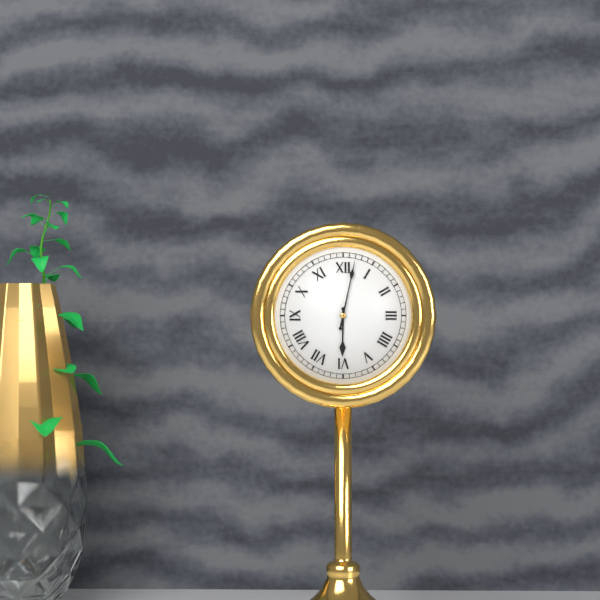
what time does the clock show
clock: 6:02
